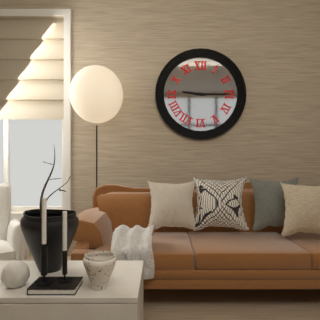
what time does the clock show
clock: 9:15
